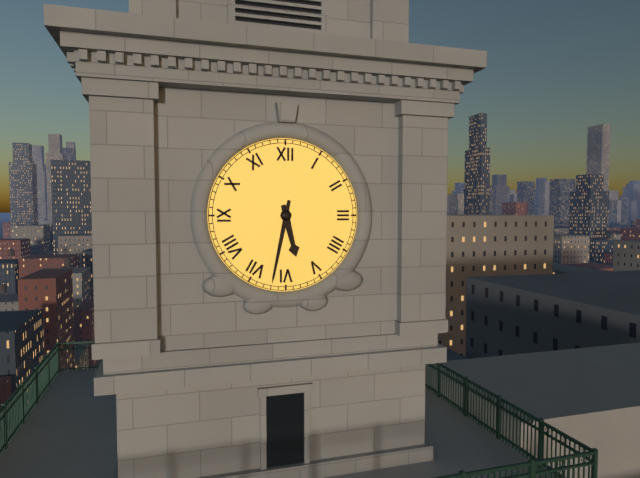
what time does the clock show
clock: 5:32
